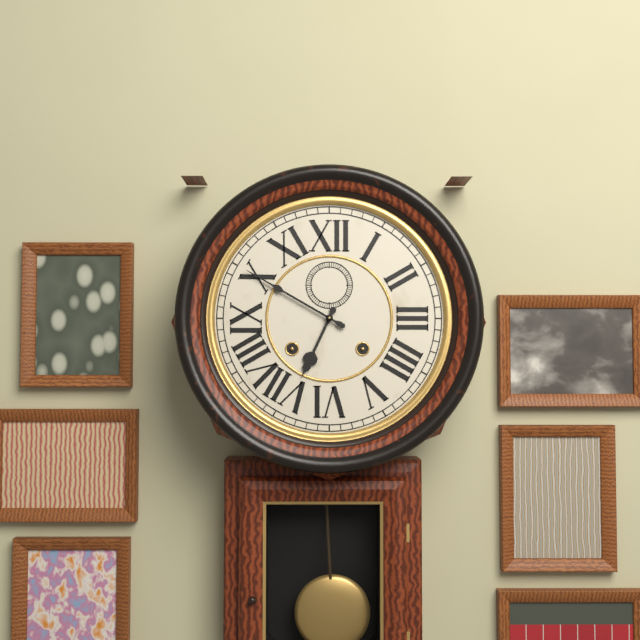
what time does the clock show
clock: 6:50
